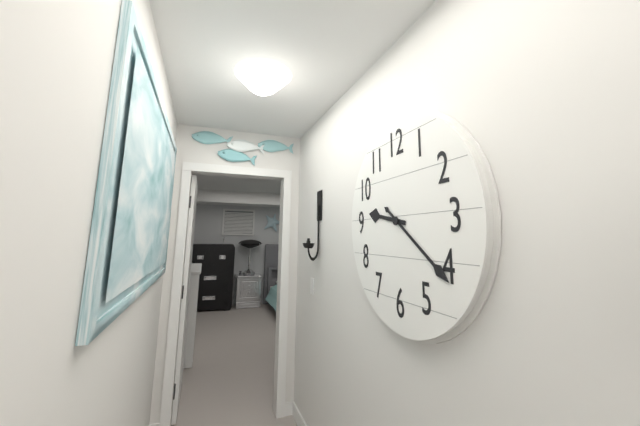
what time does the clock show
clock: 9:21
